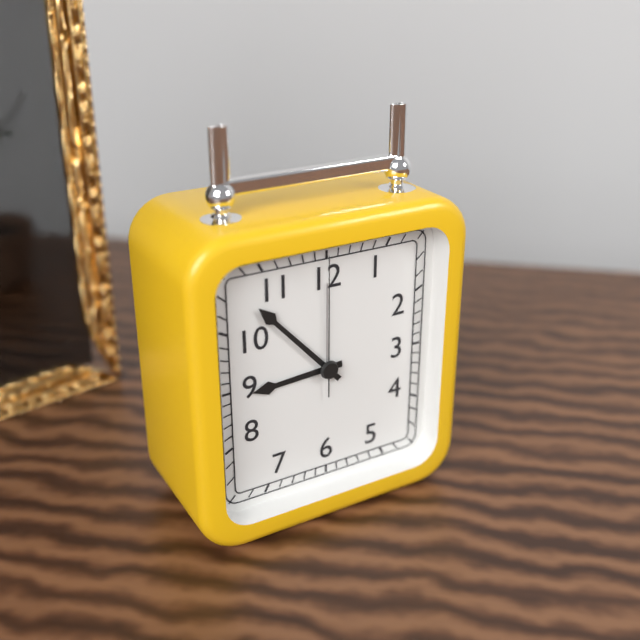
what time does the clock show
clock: 8:53:00
